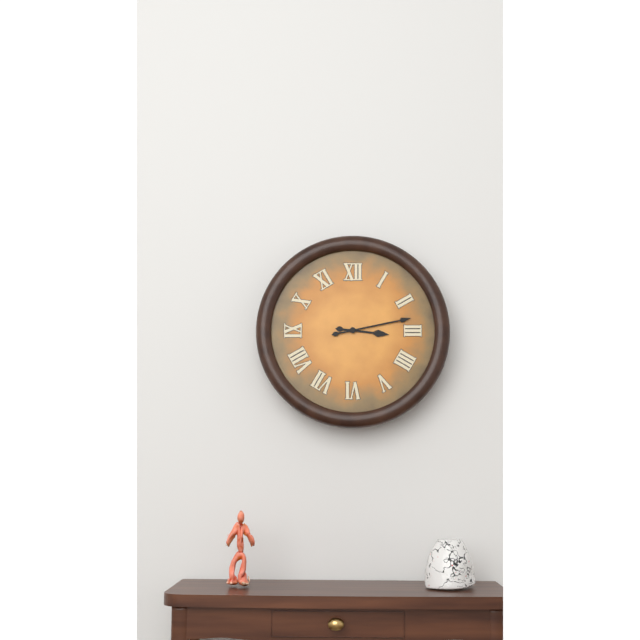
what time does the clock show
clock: 3:13
